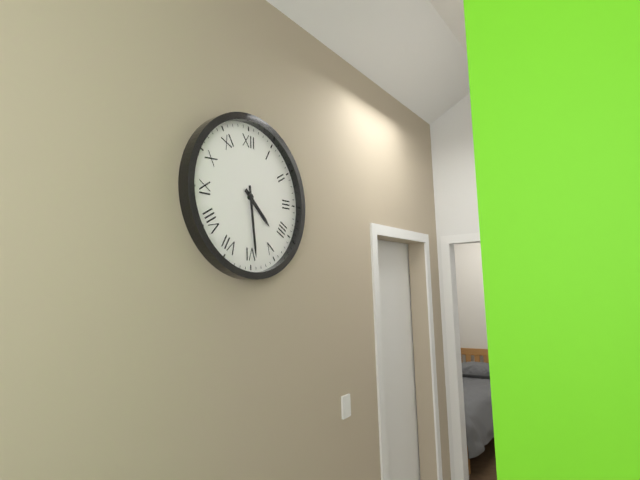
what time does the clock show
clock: 4:29
